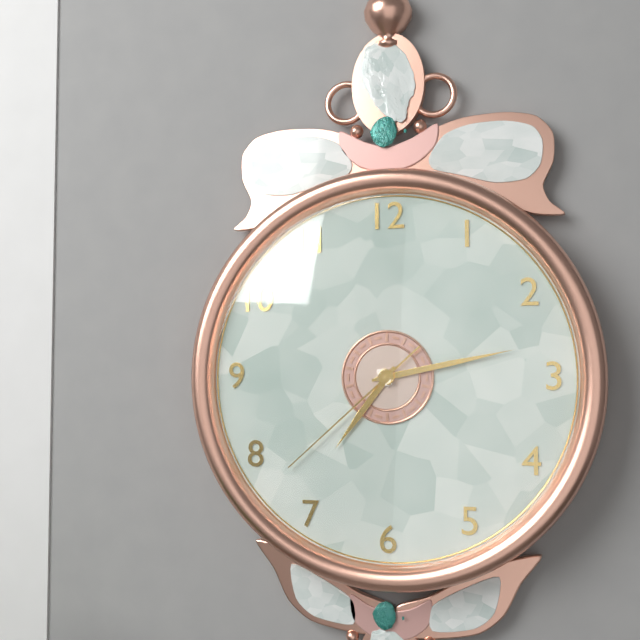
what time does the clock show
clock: 7:13:38
